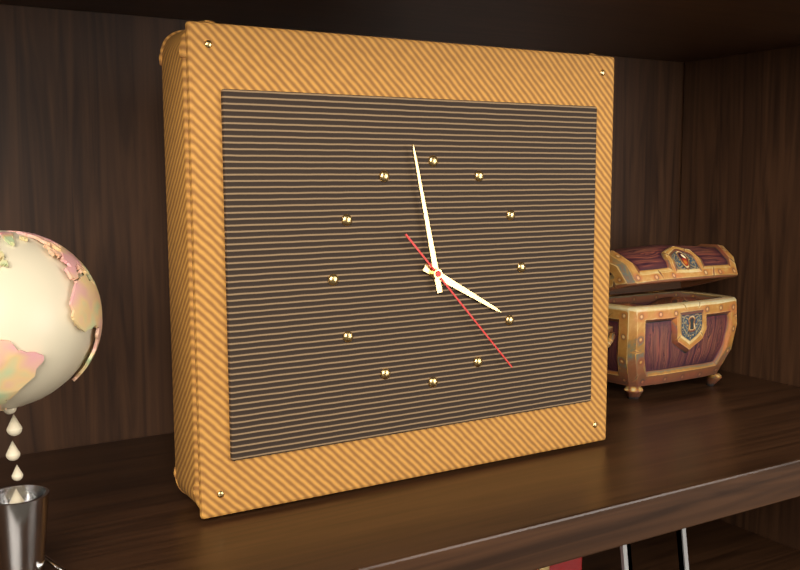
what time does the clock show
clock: 3:58:23
